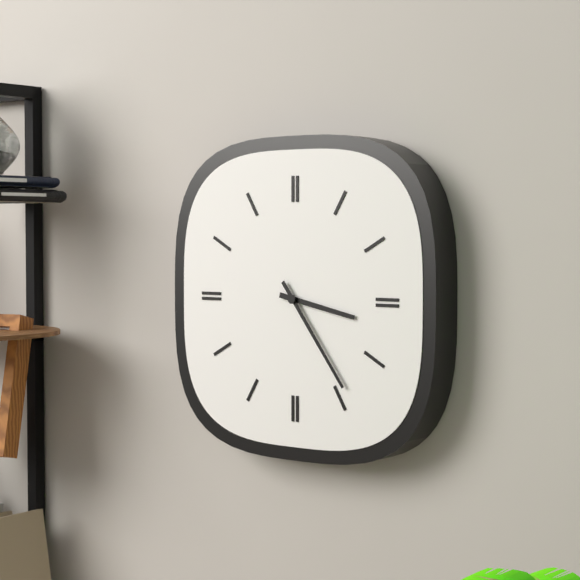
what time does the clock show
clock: 3:24
